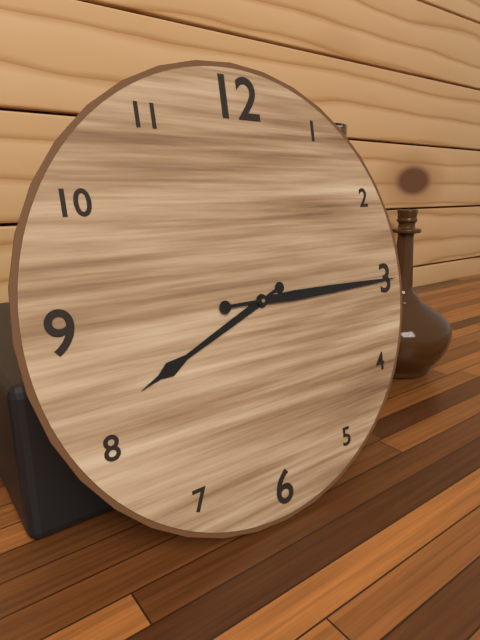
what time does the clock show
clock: 8:15
